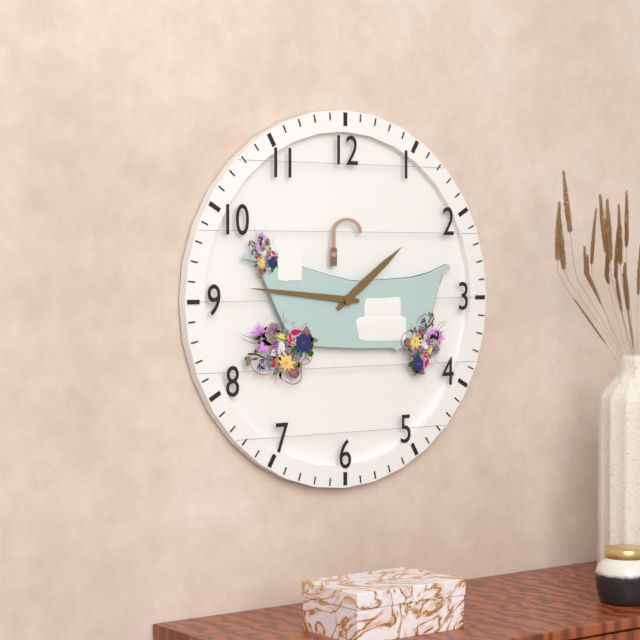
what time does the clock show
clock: 1:46
